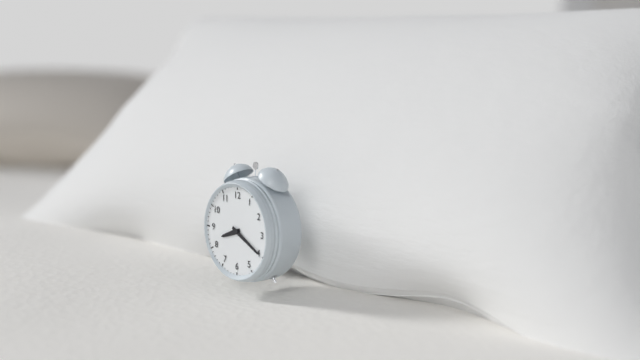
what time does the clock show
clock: 8:20
